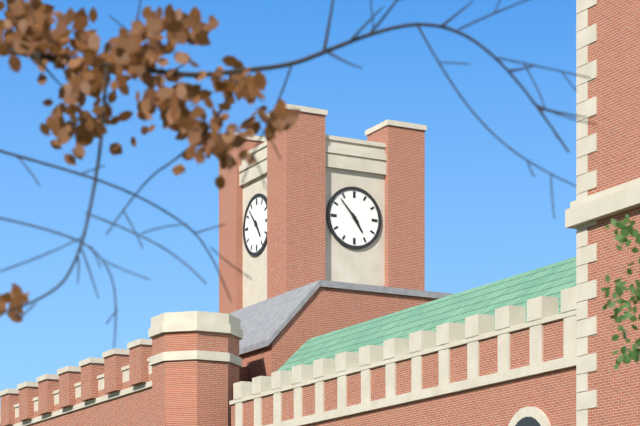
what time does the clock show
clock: 4:53
